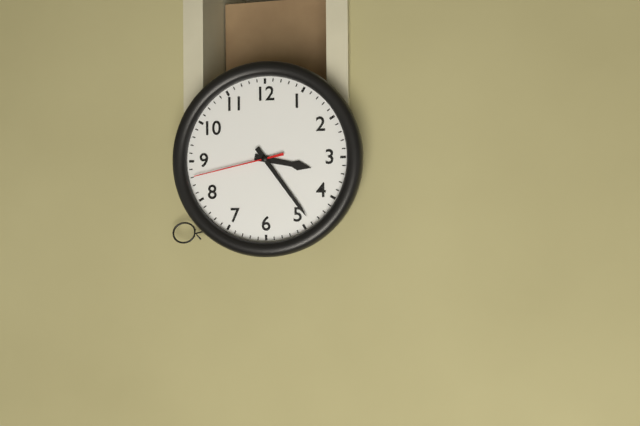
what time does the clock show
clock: 3:24:43
